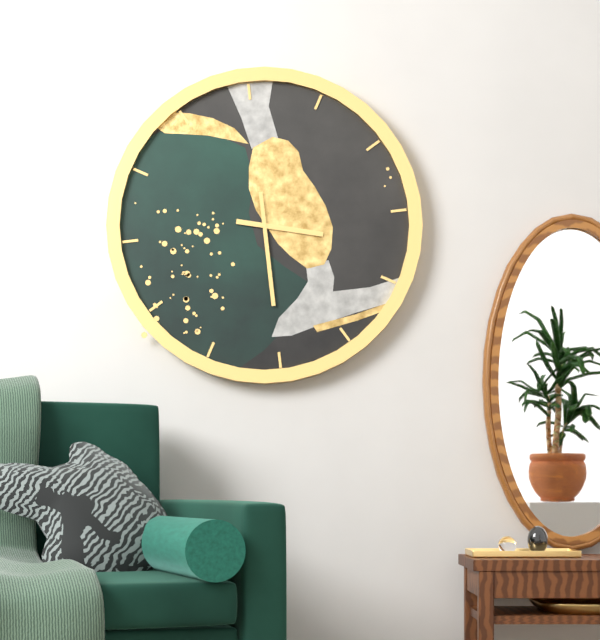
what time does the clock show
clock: 3:30
